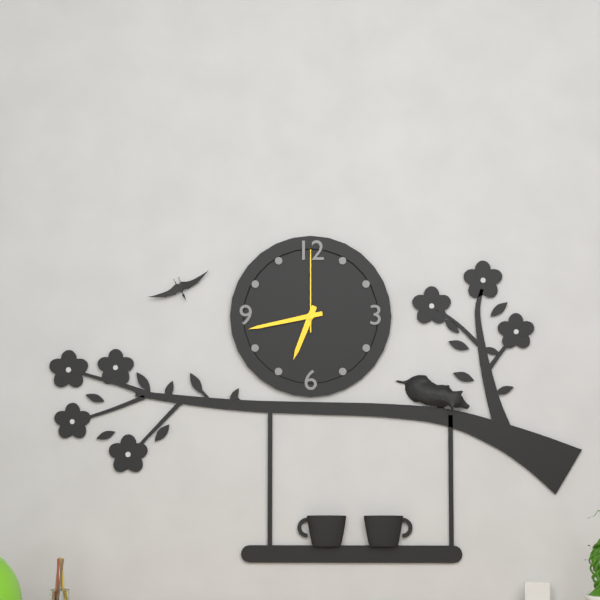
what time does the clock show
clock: 6:43:00
